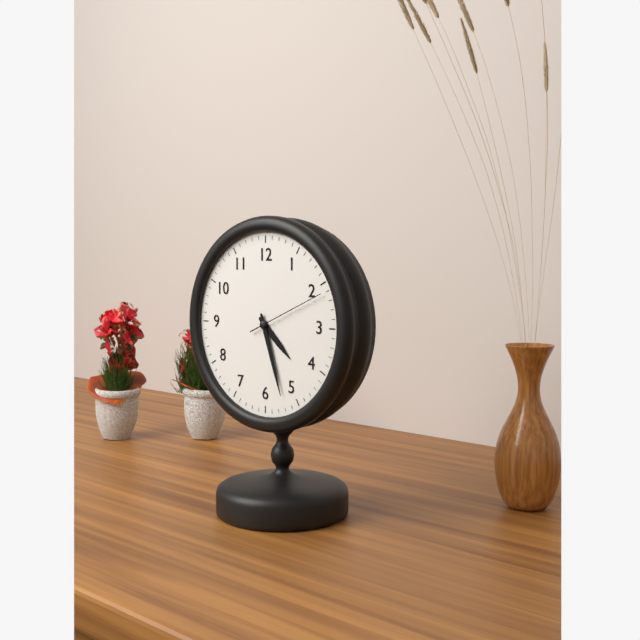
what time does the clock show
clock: 4:27:11
